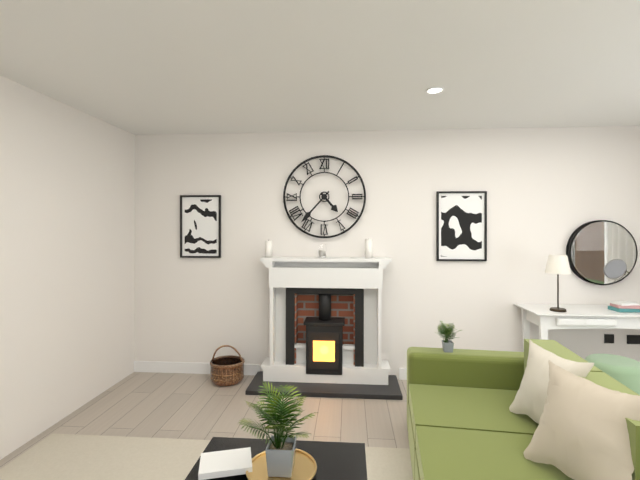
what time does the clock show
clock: 4:37
